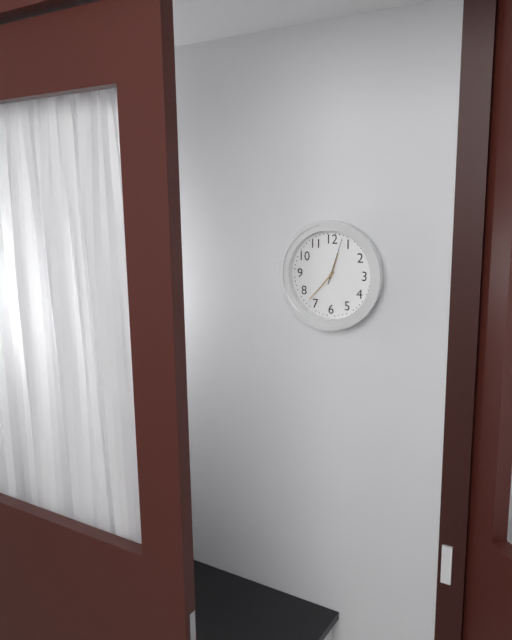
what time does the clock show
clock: 12:37
